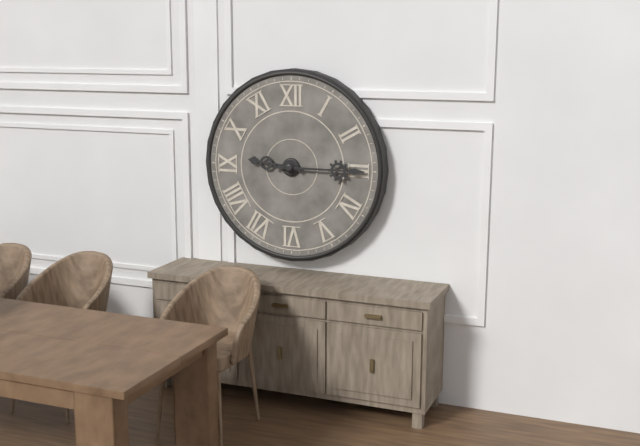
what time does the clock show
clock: 9:15
